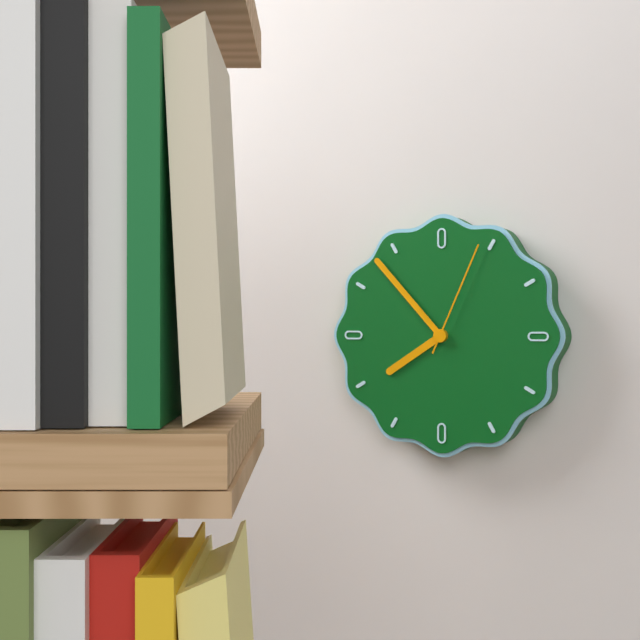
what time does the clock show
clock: 7:53:04
